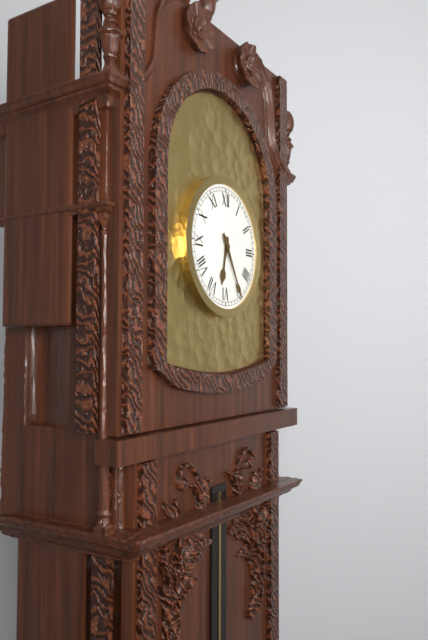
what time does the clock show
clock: 6:25
